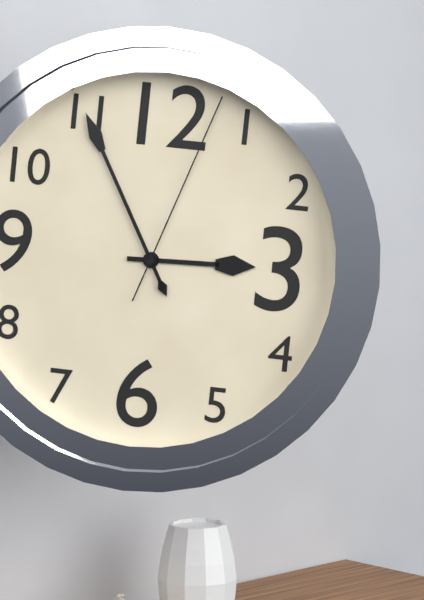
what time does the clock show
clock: 2:55:03
